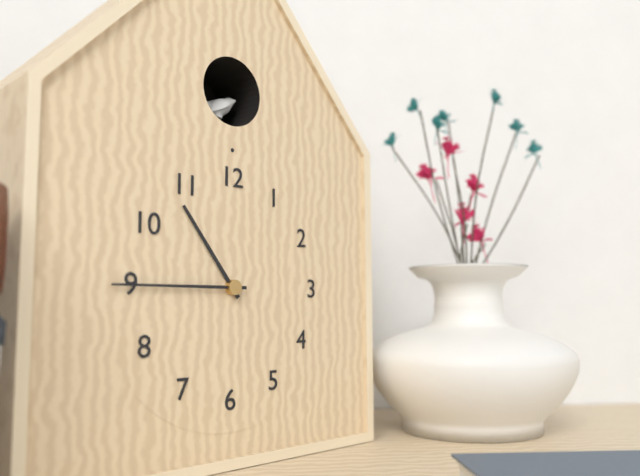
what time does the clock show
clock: 10:45
